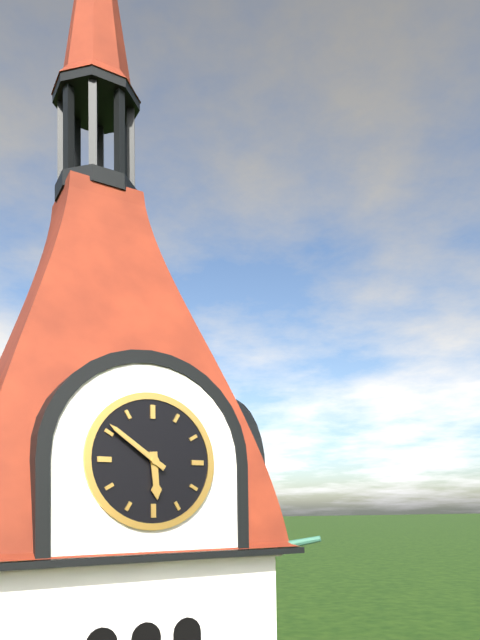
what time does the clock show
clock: 5:51
